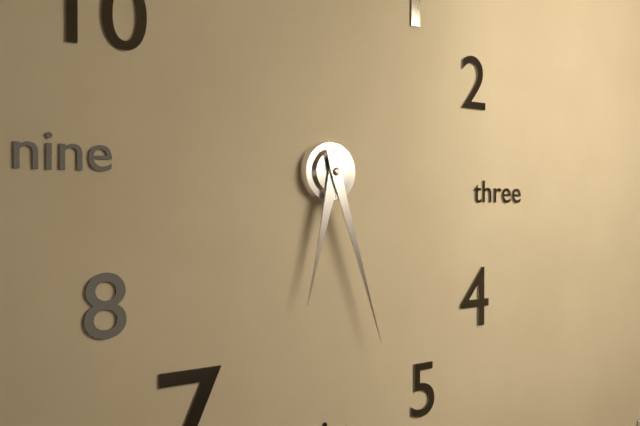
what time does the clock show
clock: 6:27
